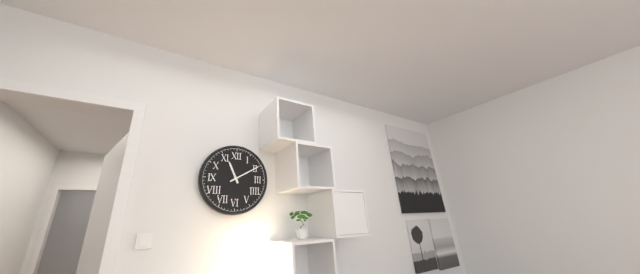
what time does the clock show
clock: 11:10
